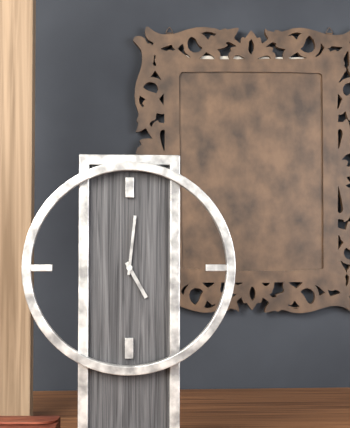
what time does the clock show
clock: 5:01
